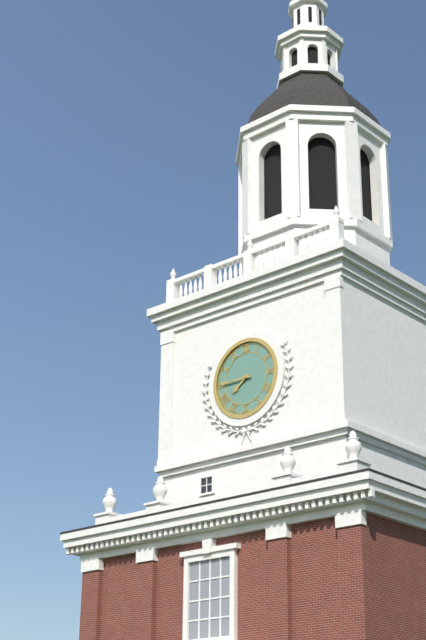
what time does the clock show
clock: 7:45
